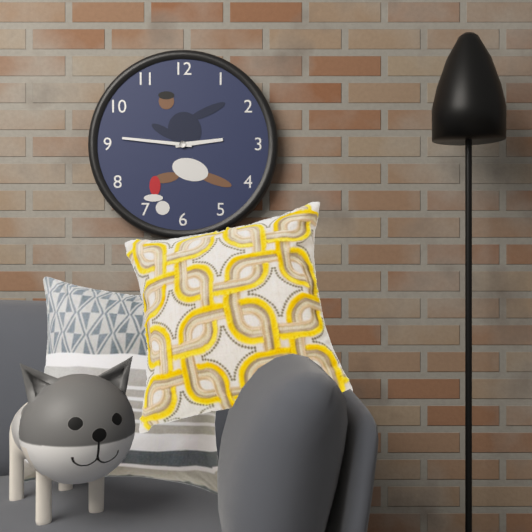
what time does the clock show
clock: 2:46
